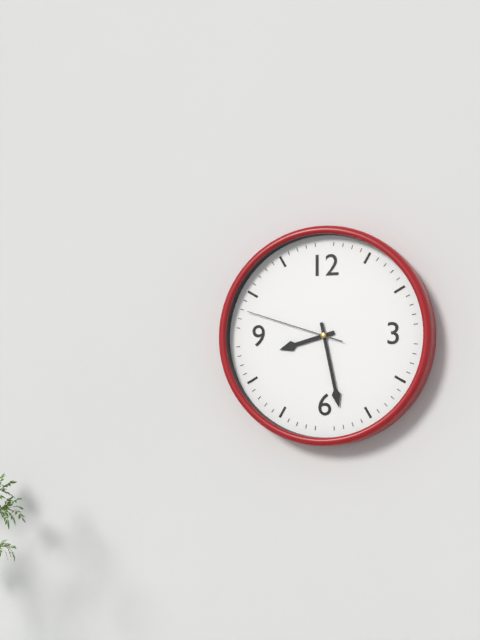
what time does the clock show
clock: 8:28:48
